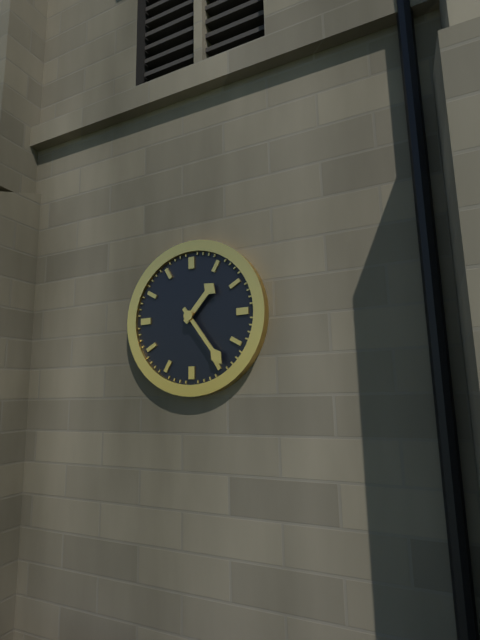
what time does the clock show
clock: 1:24
